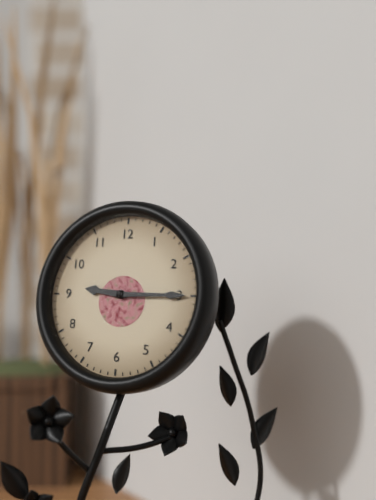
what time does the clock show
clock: 9:15
